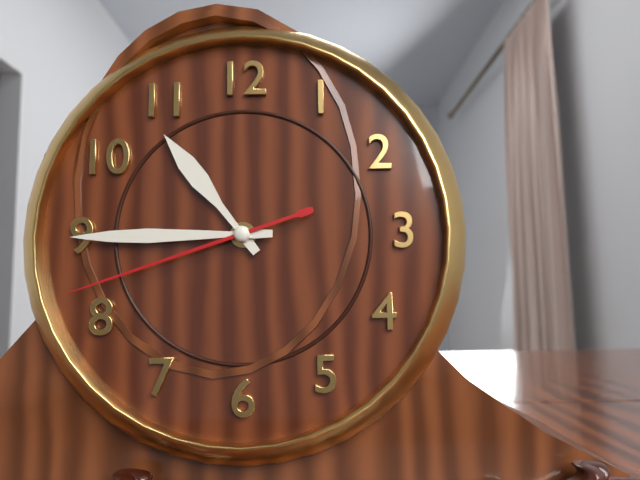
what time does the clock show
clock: 10:45:42
